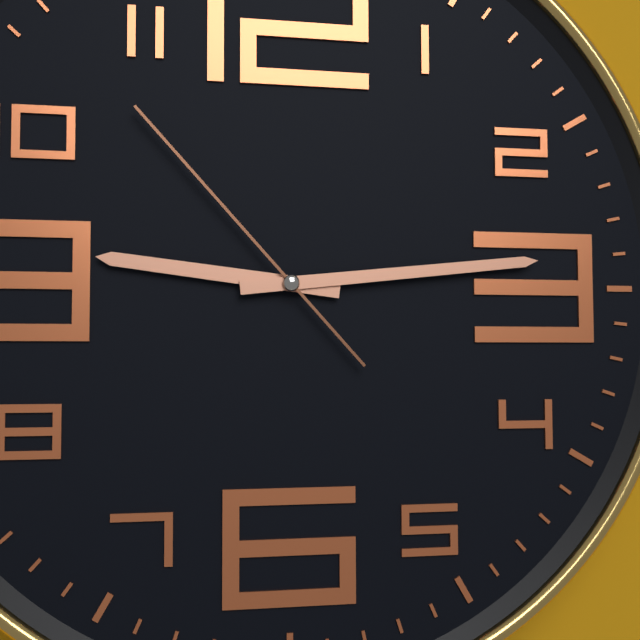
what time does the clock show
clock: 9:14:53
